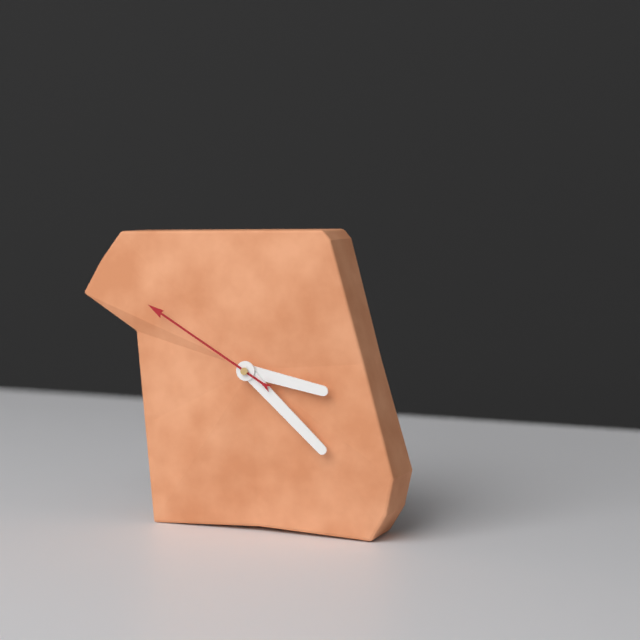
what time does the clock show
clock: 3:22:50
